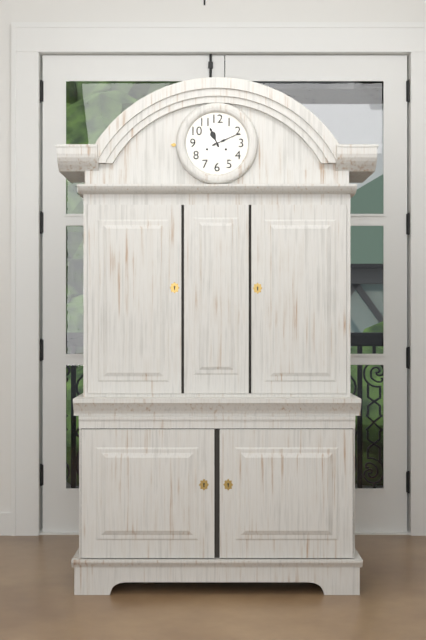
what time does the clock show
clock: 11:11
